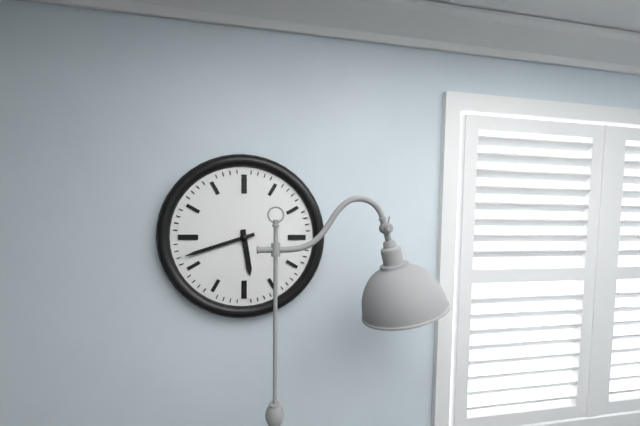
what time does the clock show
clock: 5:42
